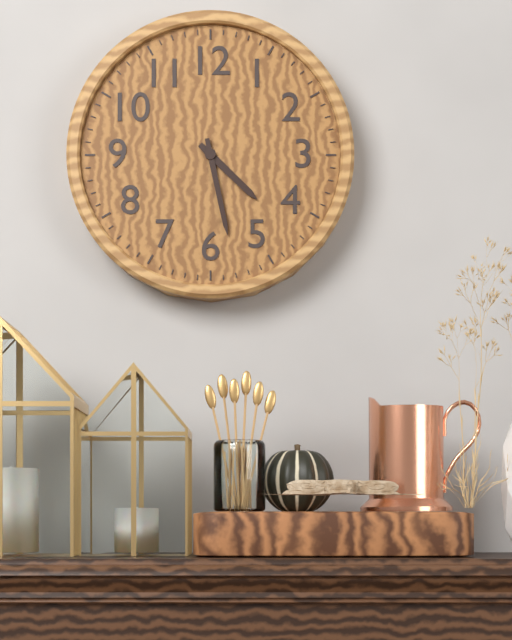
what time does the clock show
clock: 4:28
